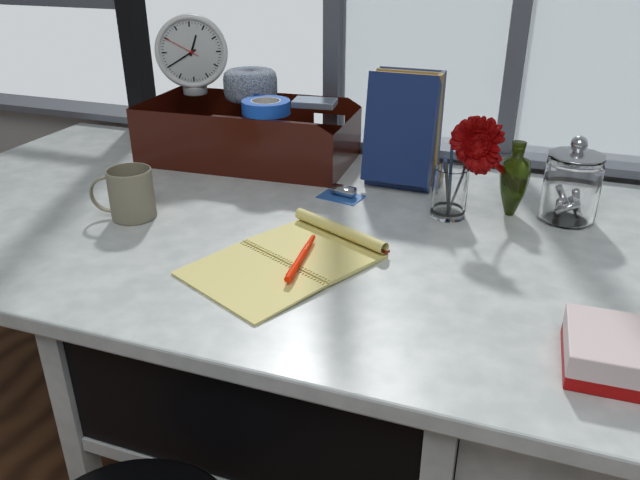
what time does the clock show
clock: 12:40
